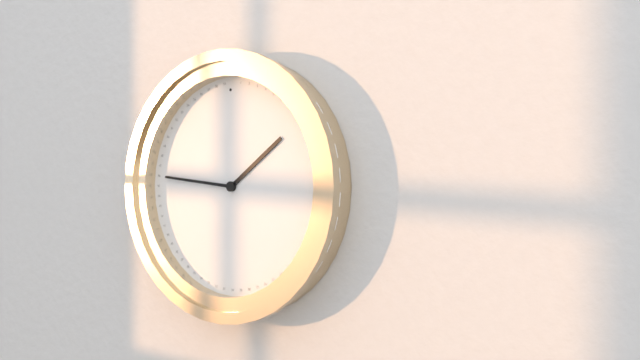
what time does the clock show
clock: 1:46
